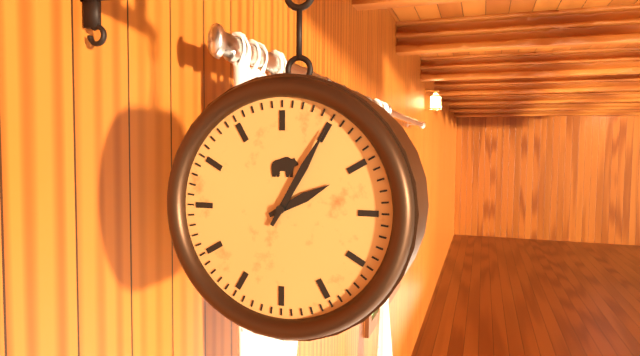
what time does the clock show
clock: 2:05
